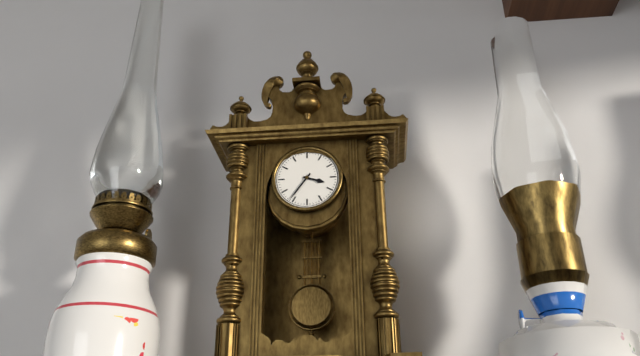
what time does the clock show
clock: 3:36
